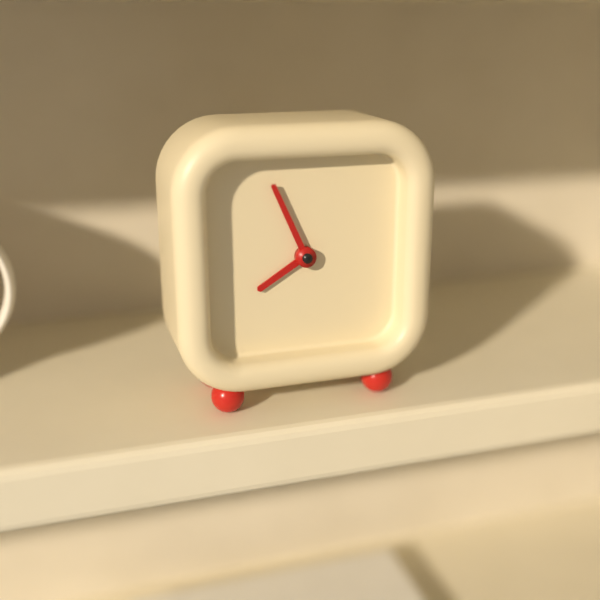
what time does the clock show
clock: 7:56
